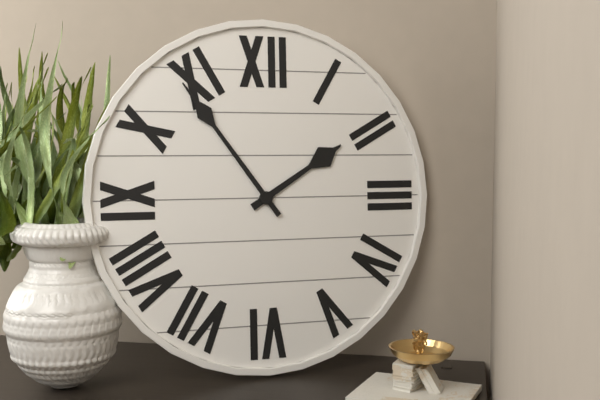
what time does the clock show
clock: 1:54
